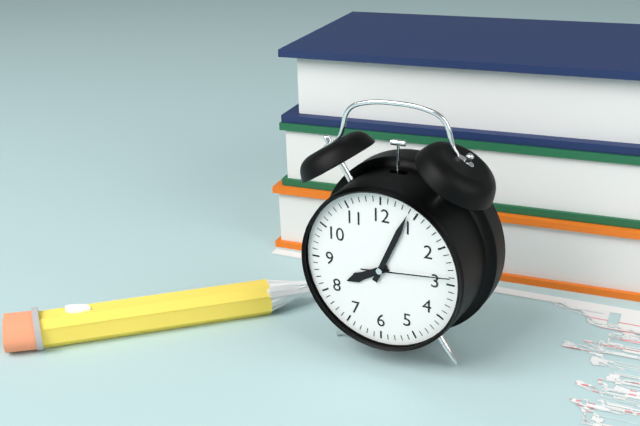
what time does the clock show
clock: 8:04:14
